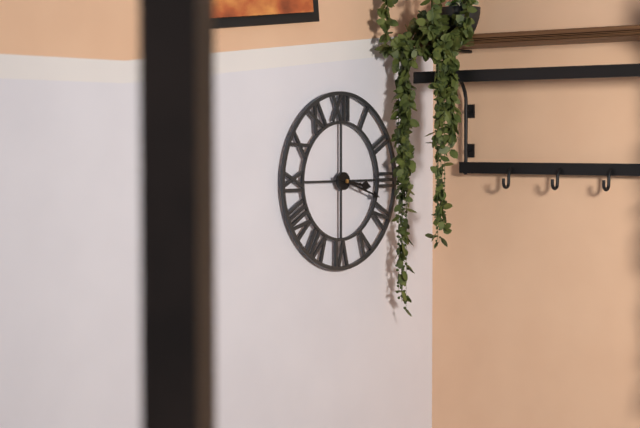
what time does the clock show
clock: 3:18
